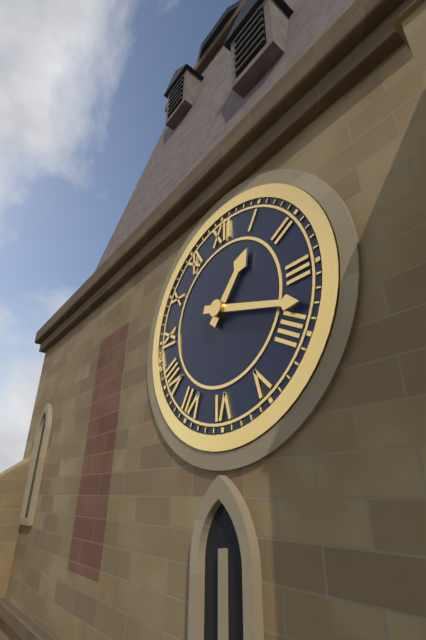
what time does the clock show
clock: 1:18
